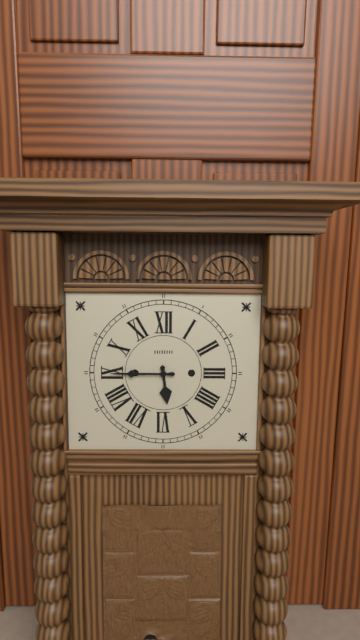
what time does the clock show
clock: 5:45
